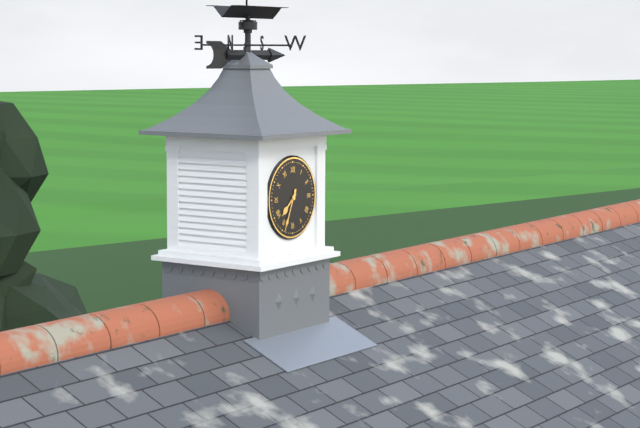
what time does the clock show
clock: 7:34
